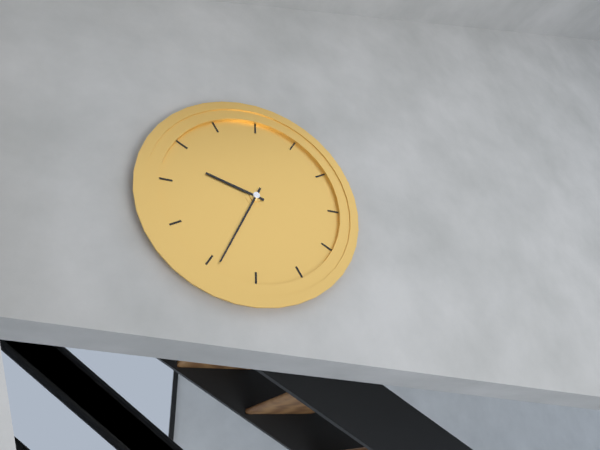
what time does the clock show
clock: 9:34
